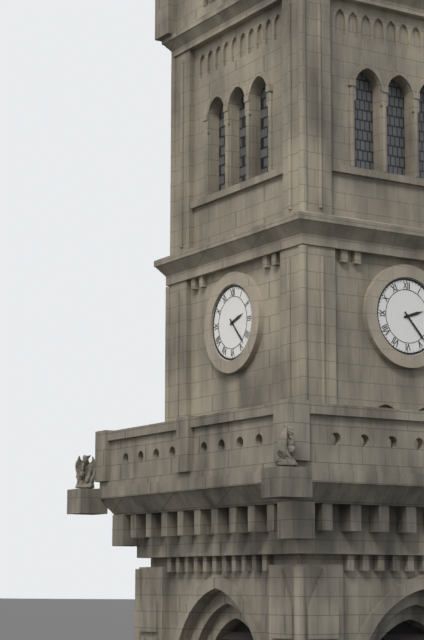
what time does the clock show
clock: 2:23
